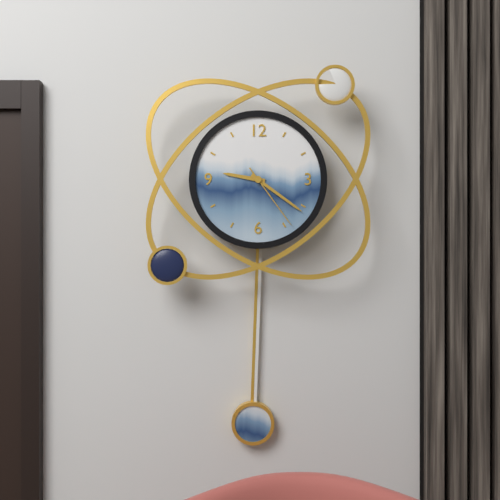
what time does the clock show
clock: 9:21:24
